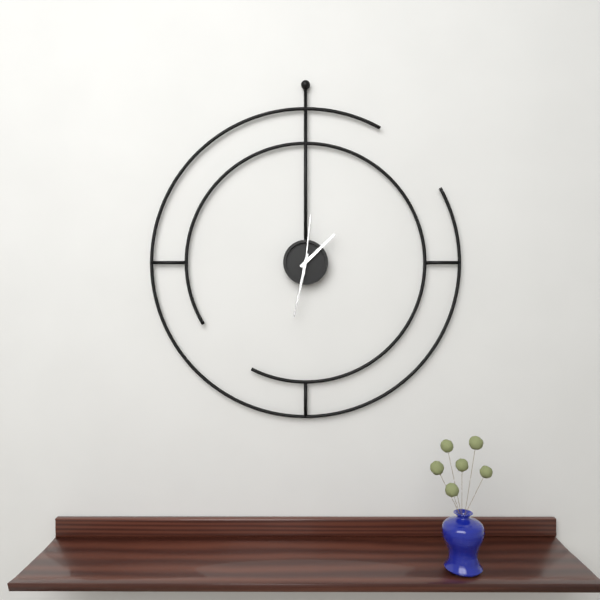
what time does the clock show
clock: 1:32:01
